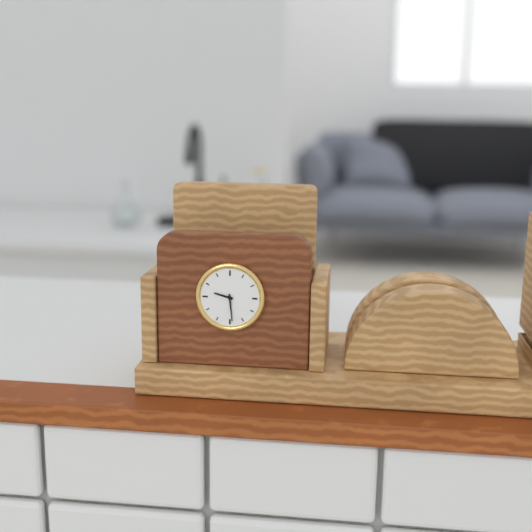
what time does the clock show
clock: 9:29
